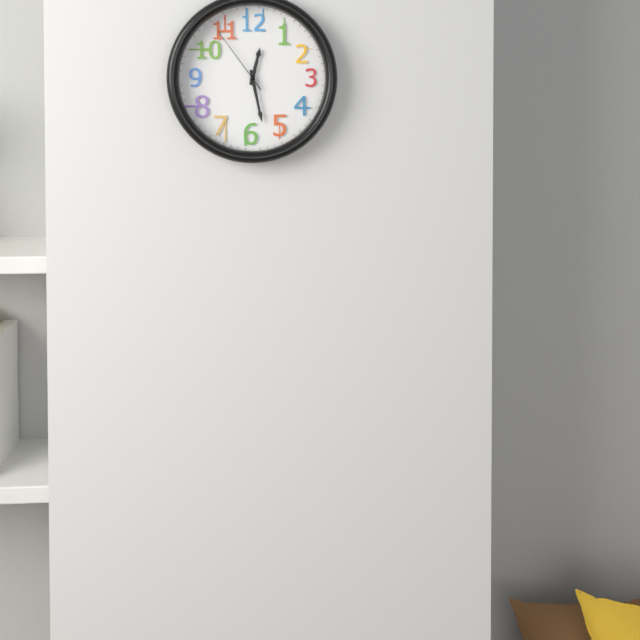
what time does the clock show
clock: 12:28:54
